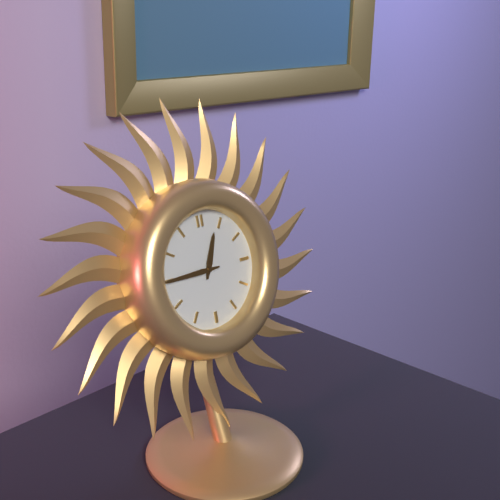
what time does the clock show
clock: 12:45
